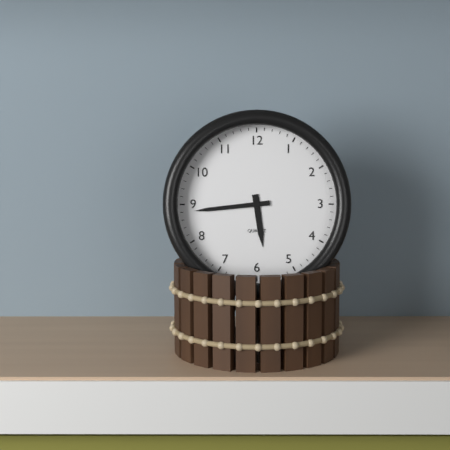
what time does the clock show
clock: 5:44
